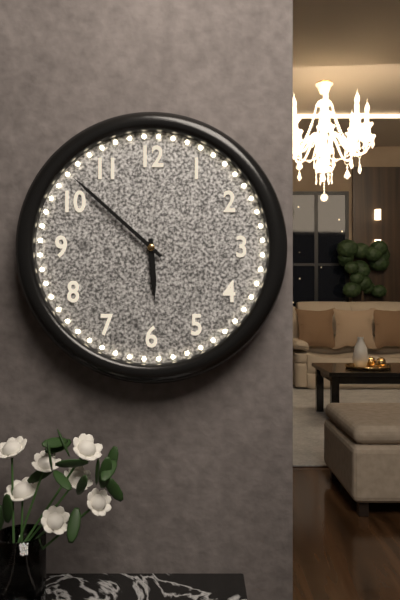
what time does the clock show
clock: 5:52
